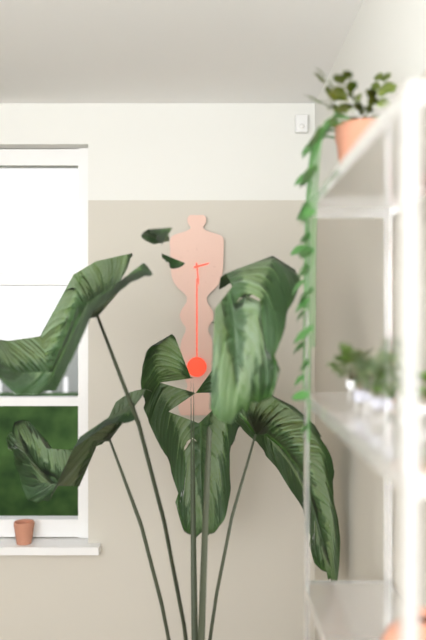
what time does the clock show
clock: 2:29
